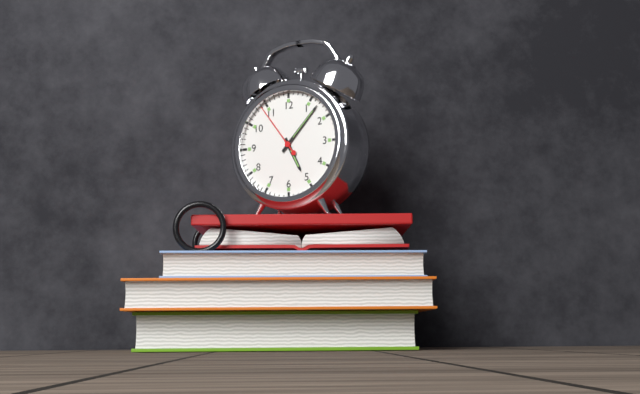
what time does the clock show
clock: 5:07:54
